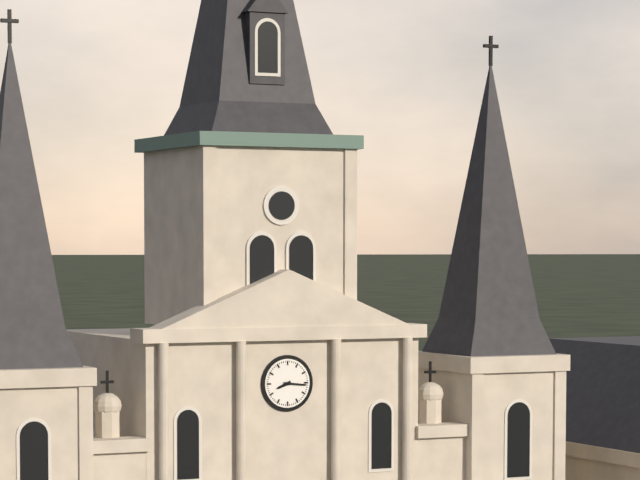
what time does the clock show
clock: 8:16
